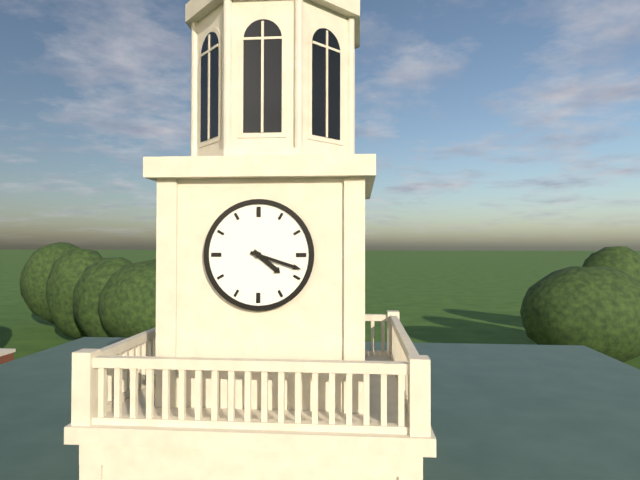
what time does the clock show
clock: 4:18
